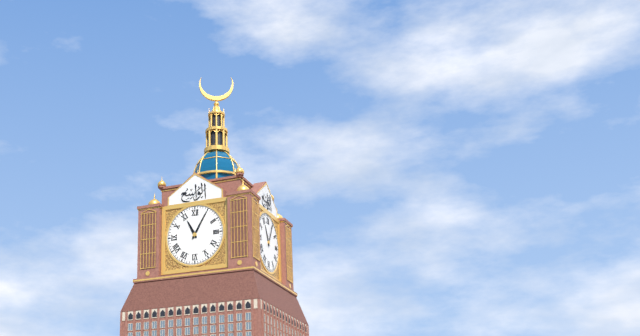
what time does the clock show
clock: 11:05
